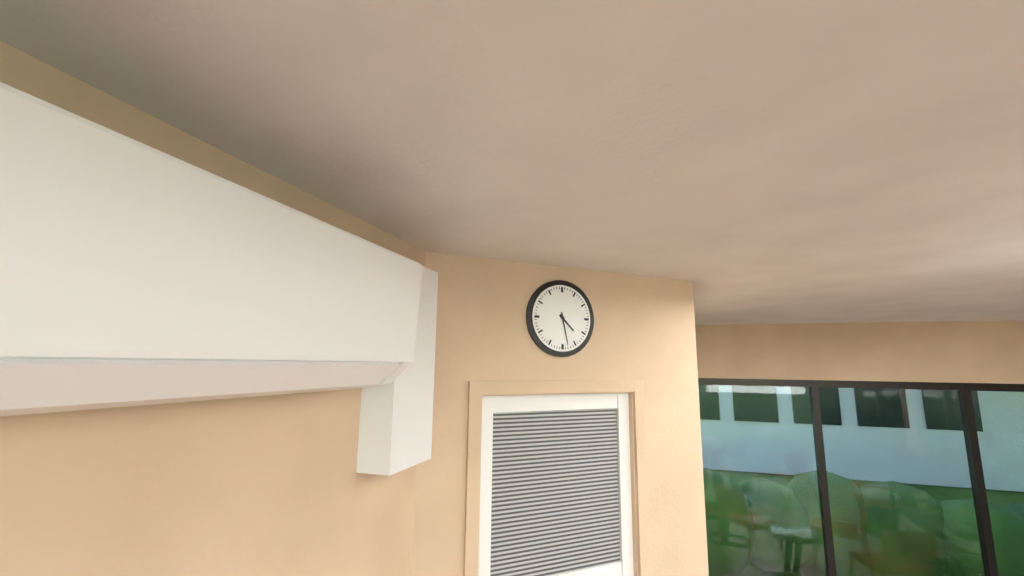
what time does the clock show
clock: 4:28
